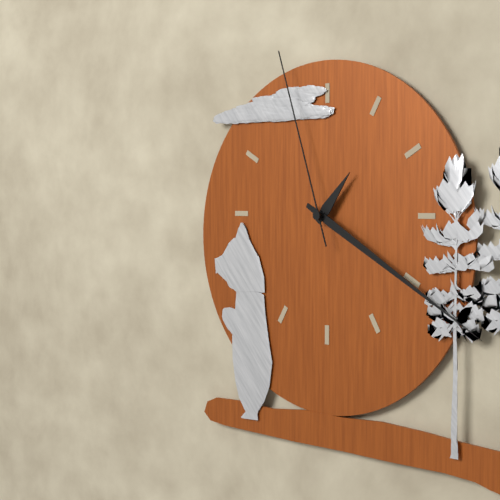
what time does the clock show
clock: 1:20:57
